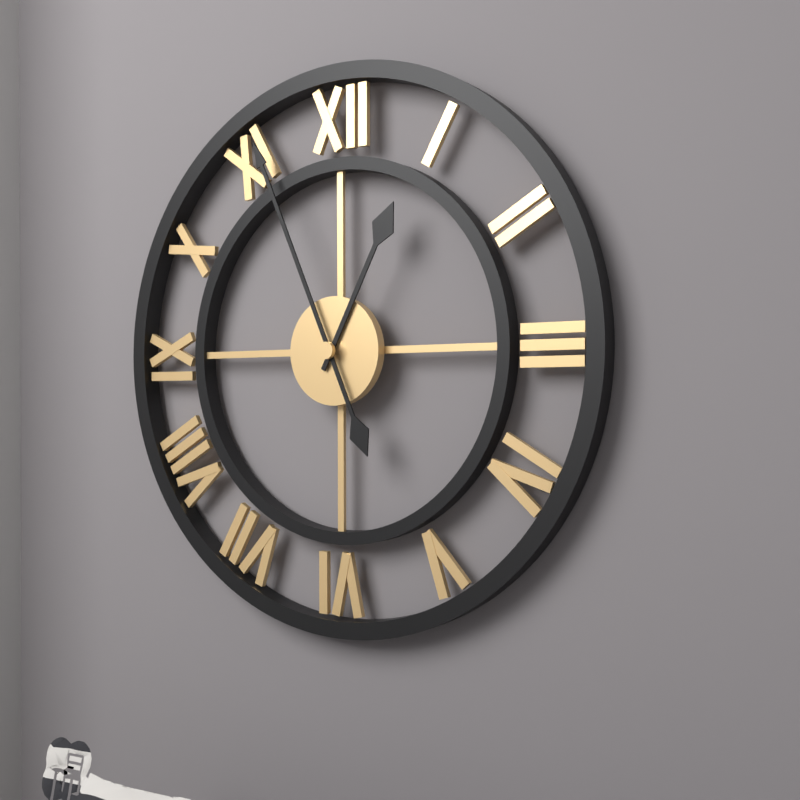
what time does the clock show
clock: 12:56
